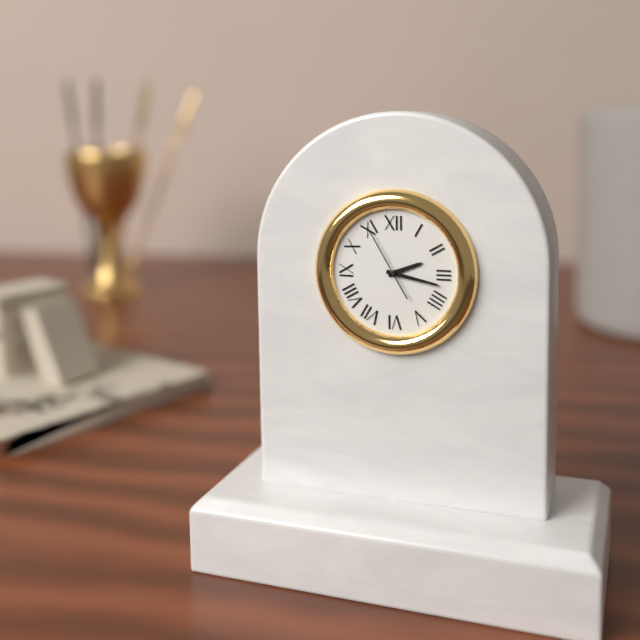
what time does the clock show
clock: 2:17:55
